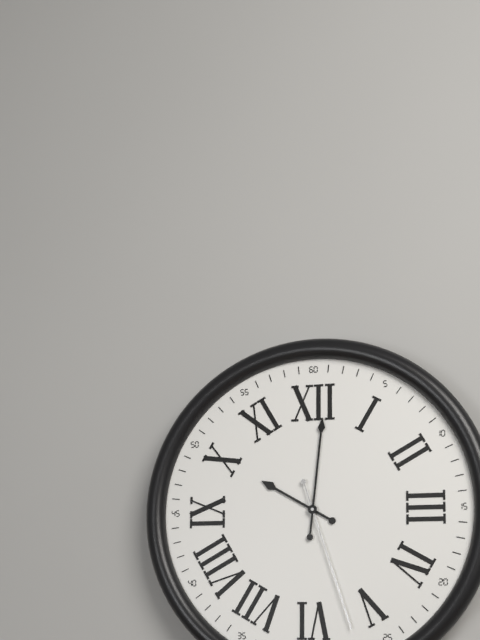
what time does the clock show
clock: 10:01:27
